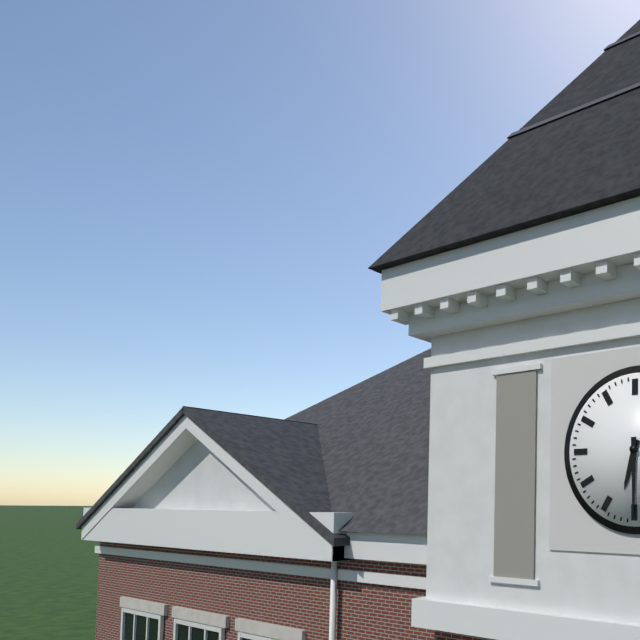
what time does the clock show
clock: 6:30
